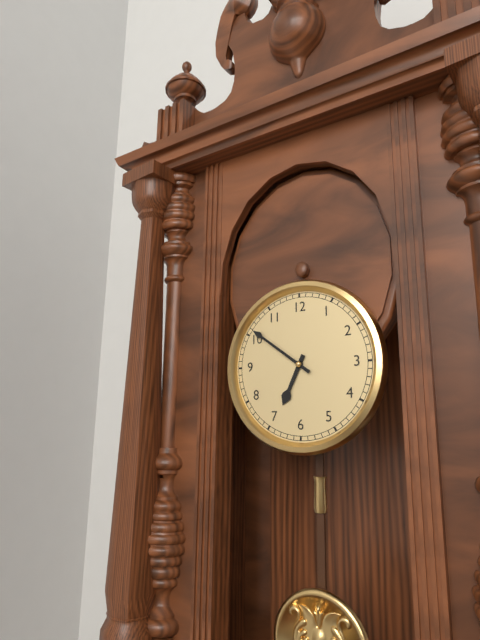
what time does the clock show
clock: 6:51
